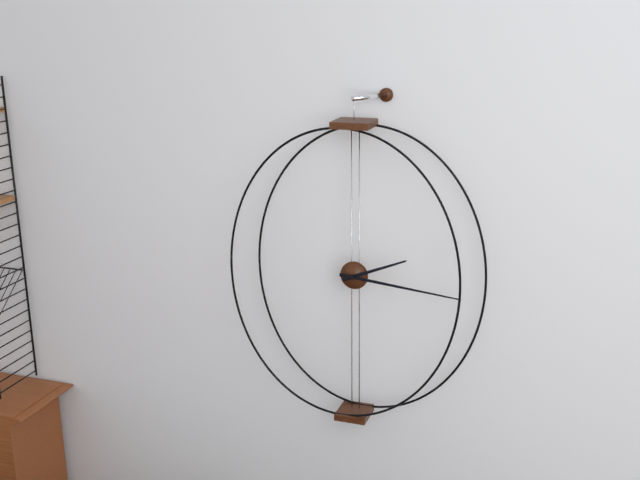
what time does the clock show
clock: 2:16
